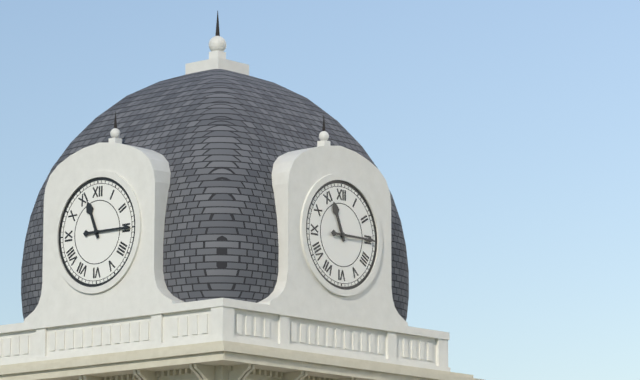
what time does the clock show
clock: 11:15
